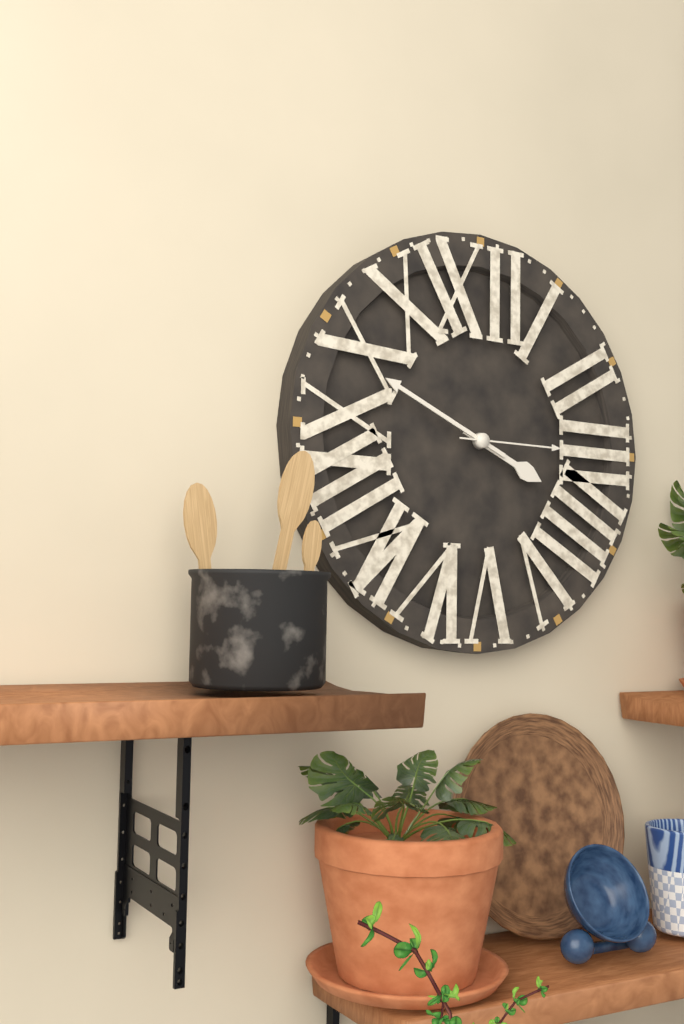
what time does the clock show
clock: 3:49:15
